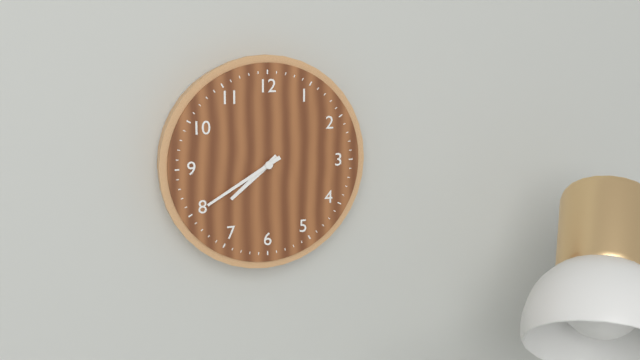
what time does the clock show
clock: 7:40
